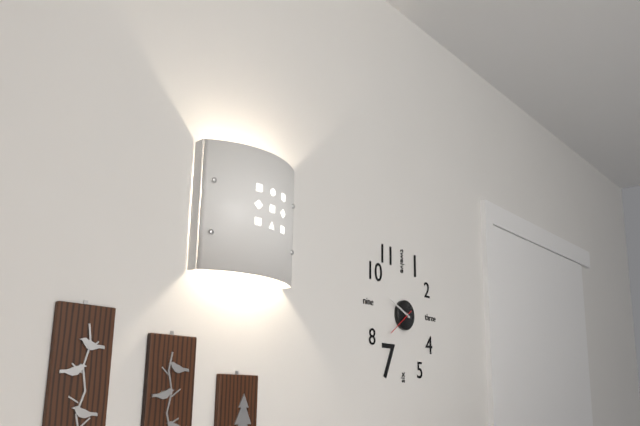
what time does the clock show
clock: 9:49
